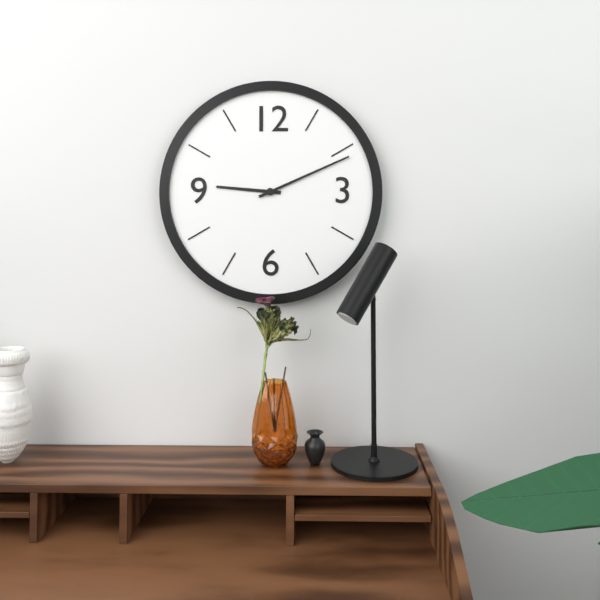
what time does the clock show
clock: 9:11
